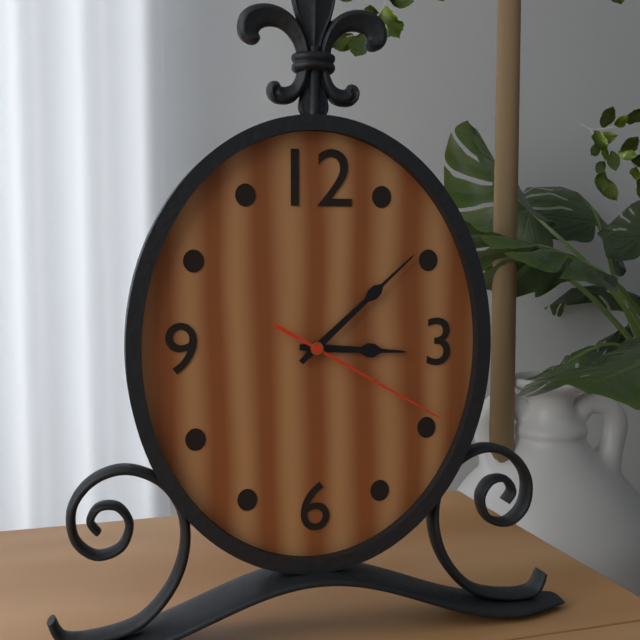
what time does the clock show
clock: 3:08:20
